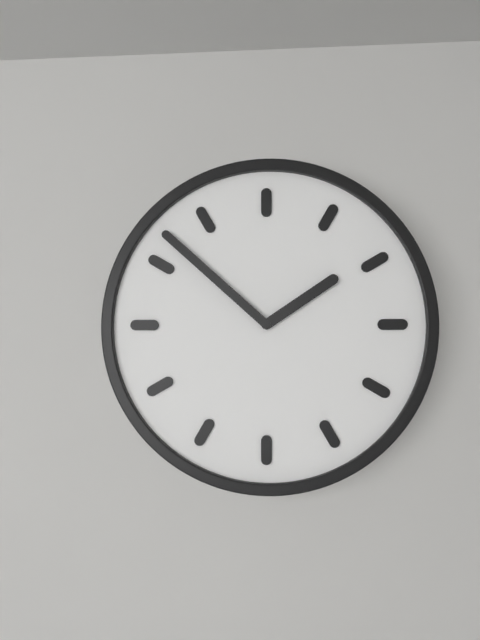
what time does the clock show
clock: 1:52
